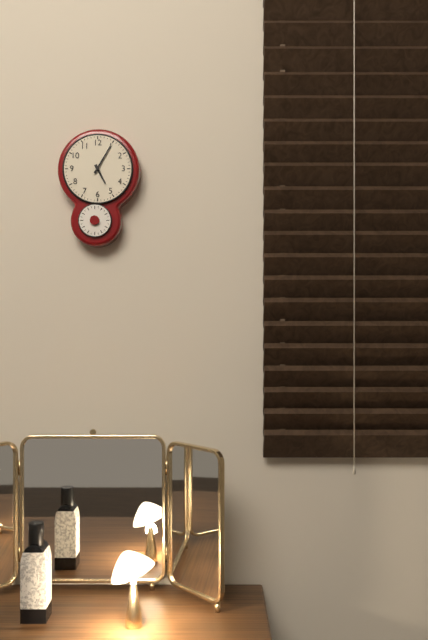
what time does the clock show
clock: 5:05
